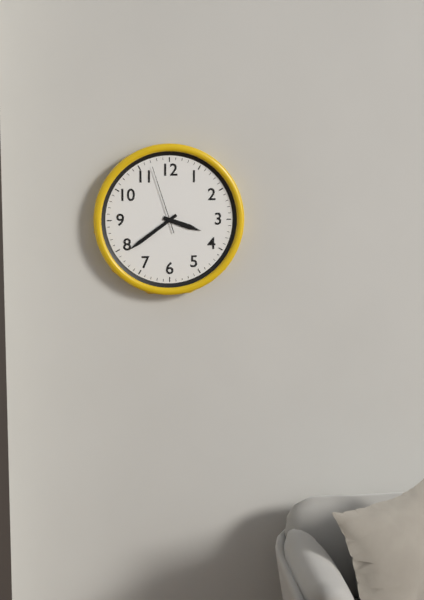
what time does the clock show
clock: 3:39:57
